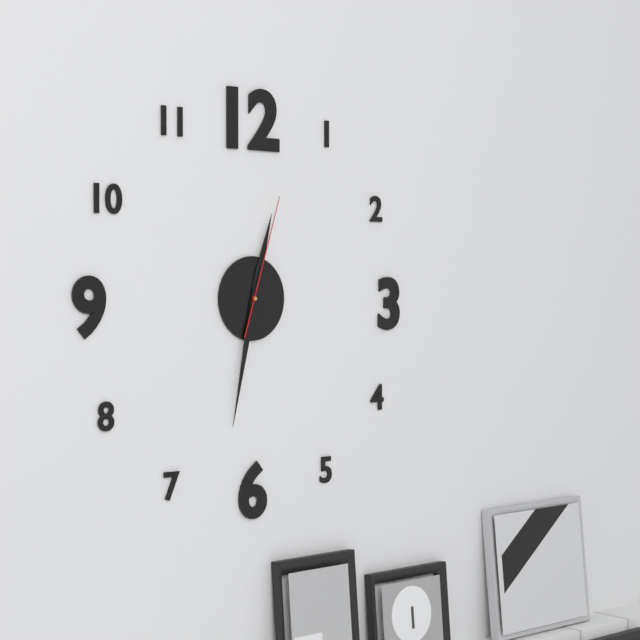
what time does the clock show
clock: 12:32:03
